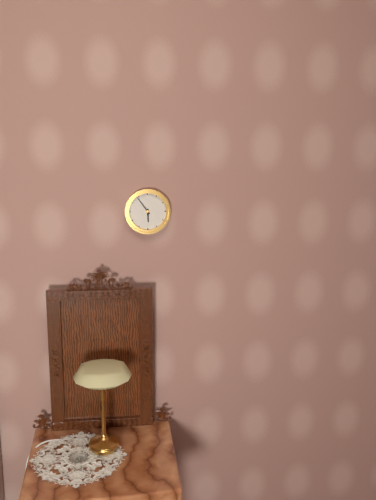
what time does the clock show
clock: 5:54
